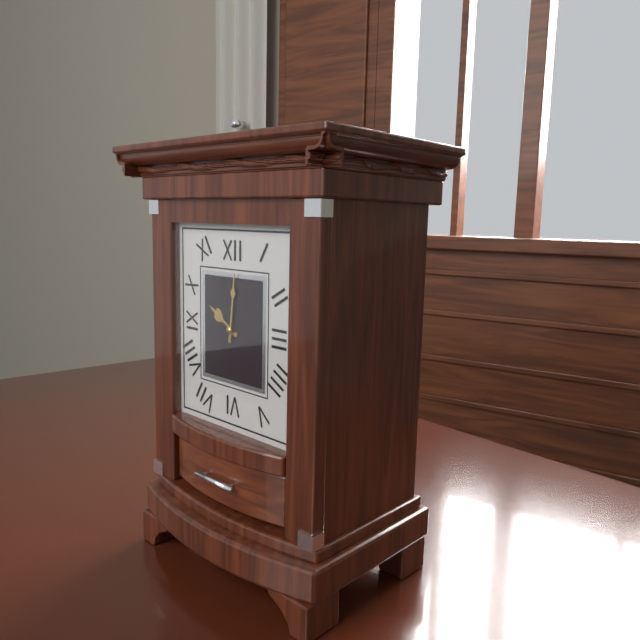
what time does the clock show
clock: 10:01
